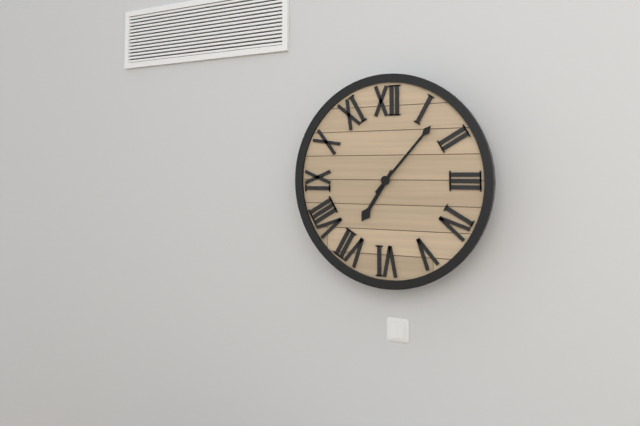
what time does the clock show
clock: 7:07
